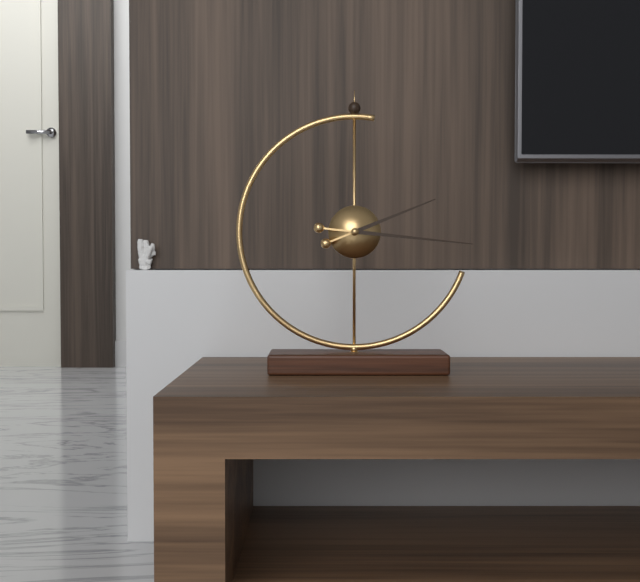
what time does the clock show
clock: 2:16
